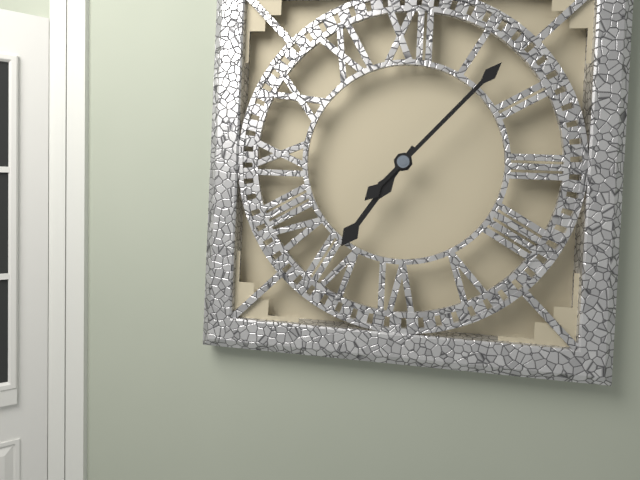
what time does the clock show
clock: 7:07
